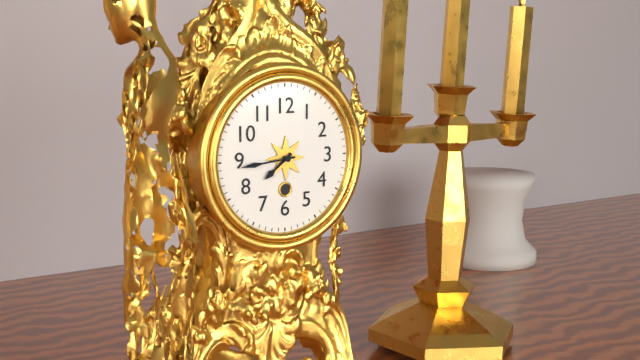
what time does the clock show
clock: 7:44
